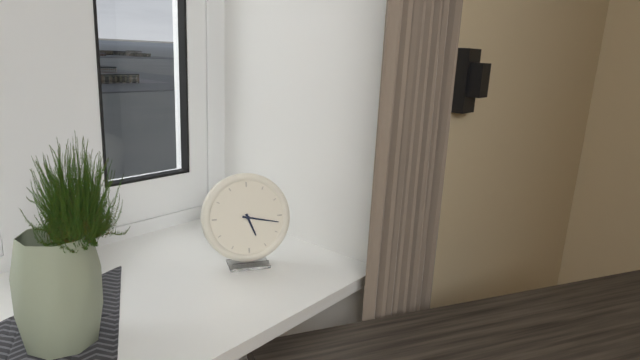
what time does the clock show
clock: 5:17
